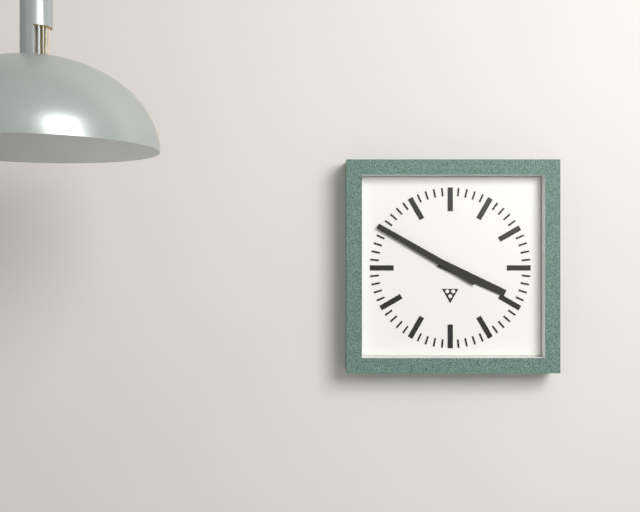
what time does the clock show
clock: 3:50
